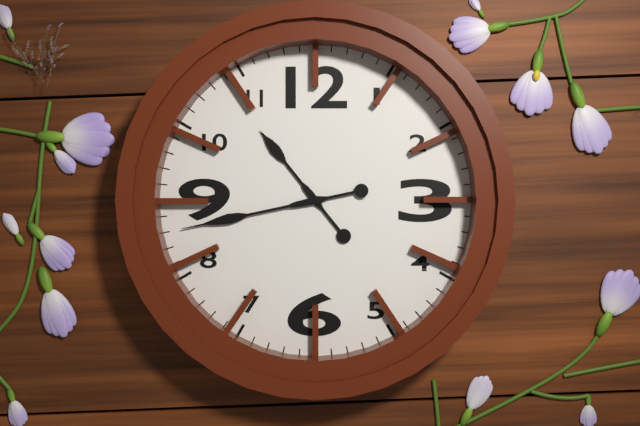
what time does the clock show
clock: 10:43
